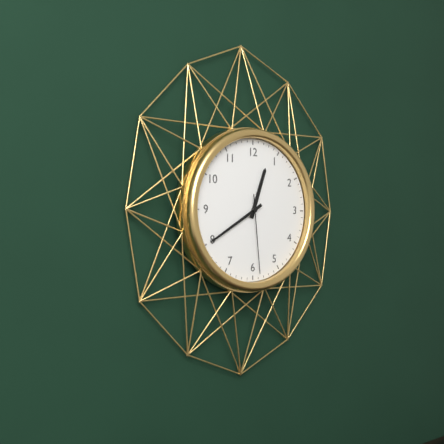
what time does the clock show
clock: 12:40:29
